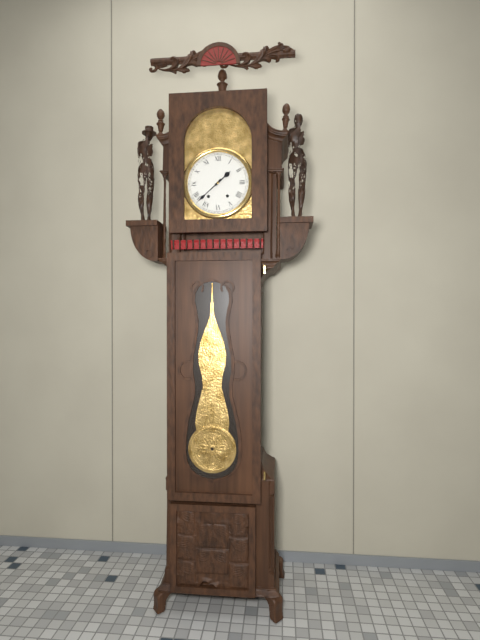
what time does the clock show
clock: 1:38
